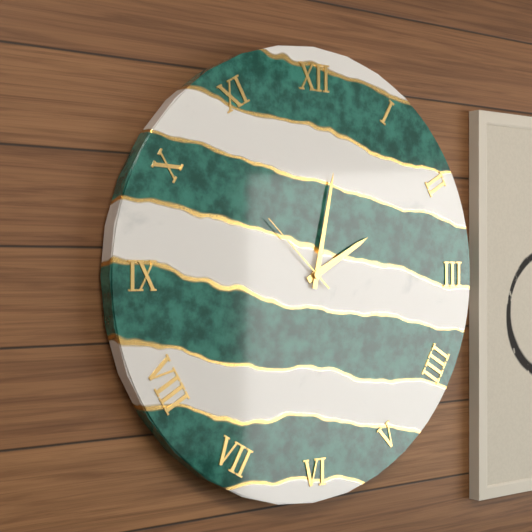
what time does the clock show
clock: 2:02:52
